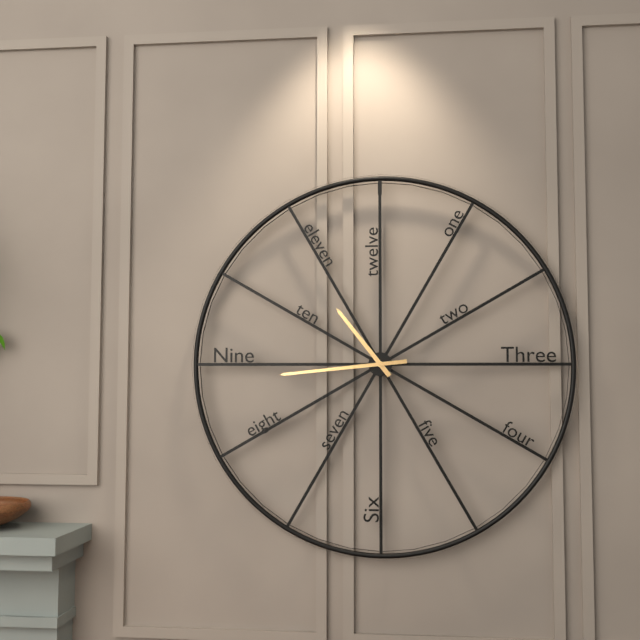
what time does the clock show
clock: 10:44
